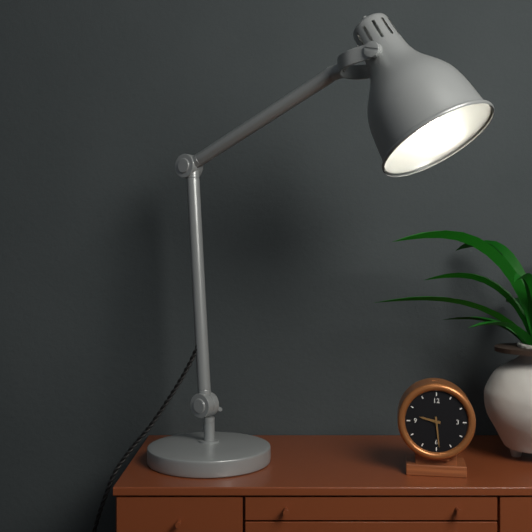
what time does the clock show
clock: 9:29
